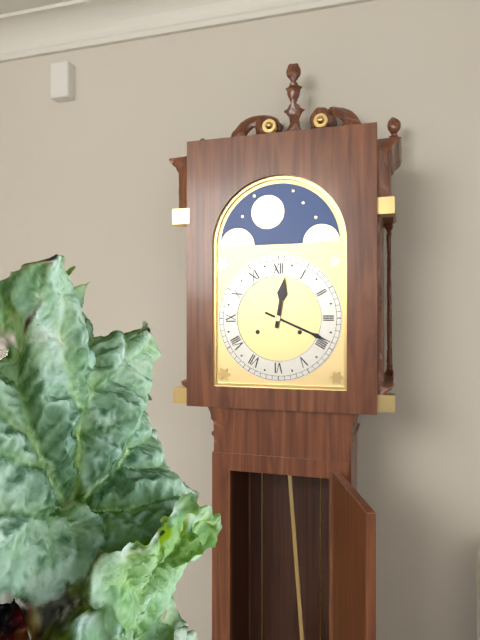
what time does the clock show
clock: 12:19
